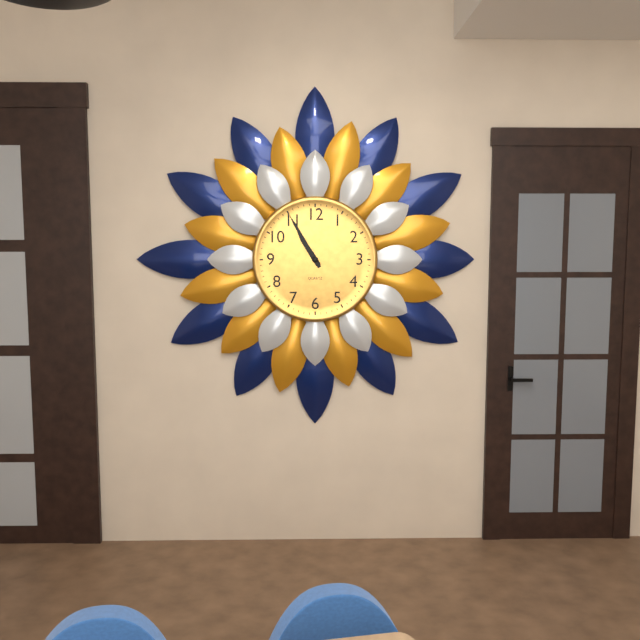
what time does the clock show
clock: 10:55
